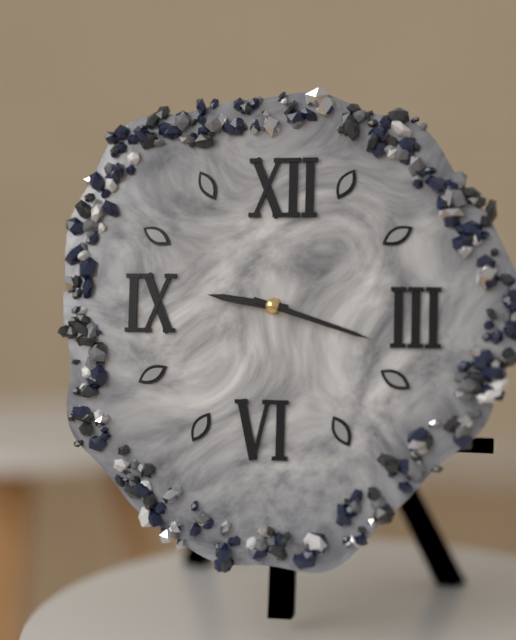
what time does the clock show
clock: 9:18
